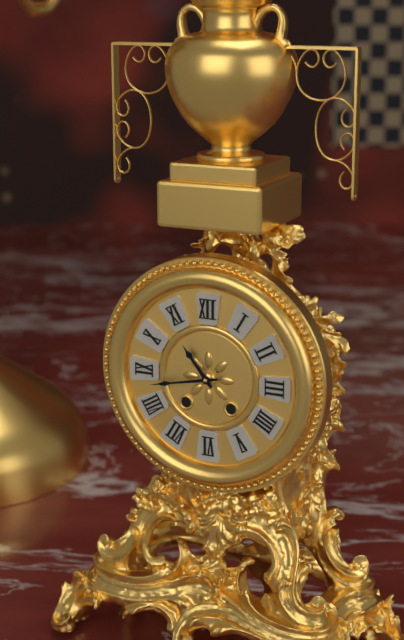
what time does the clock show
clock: 10:43
